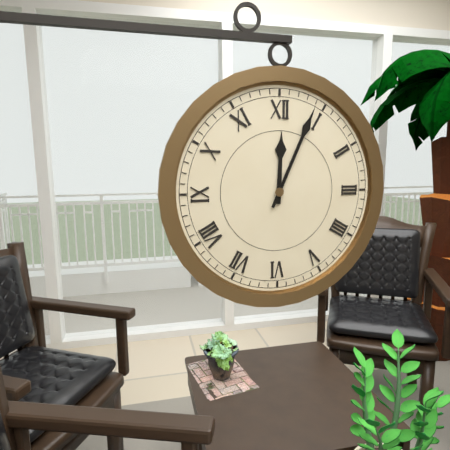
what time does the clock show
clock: 12:04
